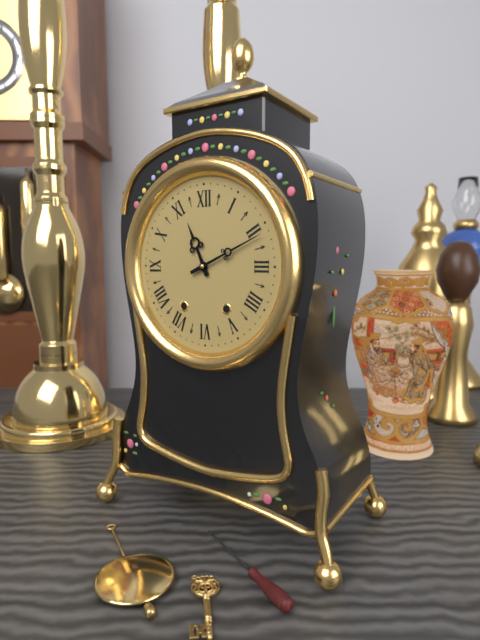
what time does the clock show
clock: 11:11
